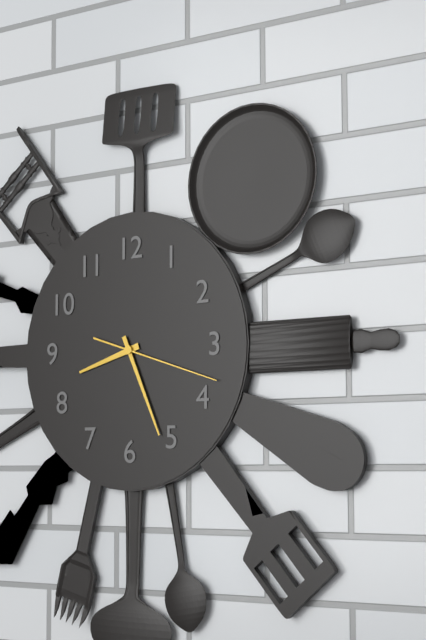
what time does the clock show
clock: 8:26:18
